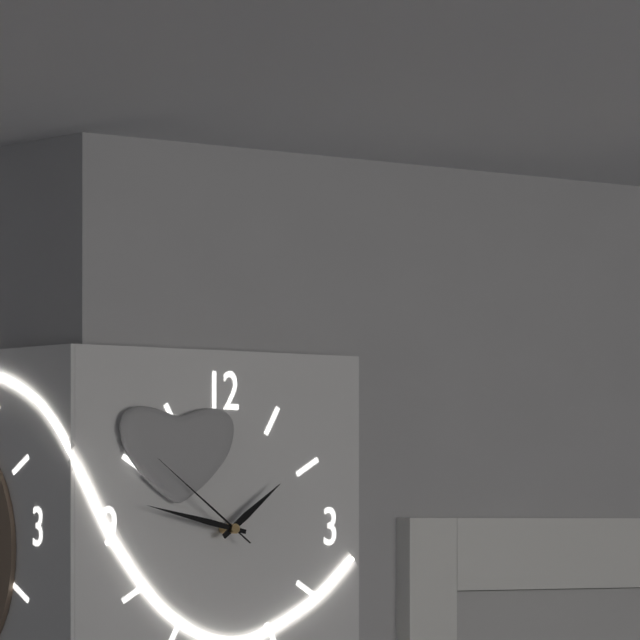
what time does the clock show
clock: 1:47:51
